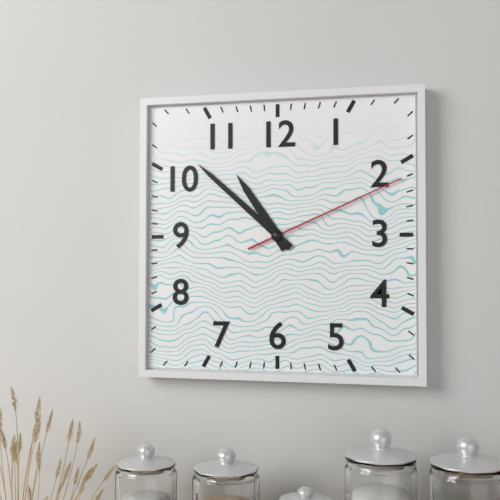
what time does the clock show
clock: 10:52:11
